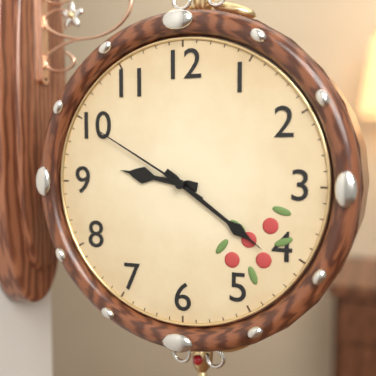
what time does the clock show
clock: 9:21:50
